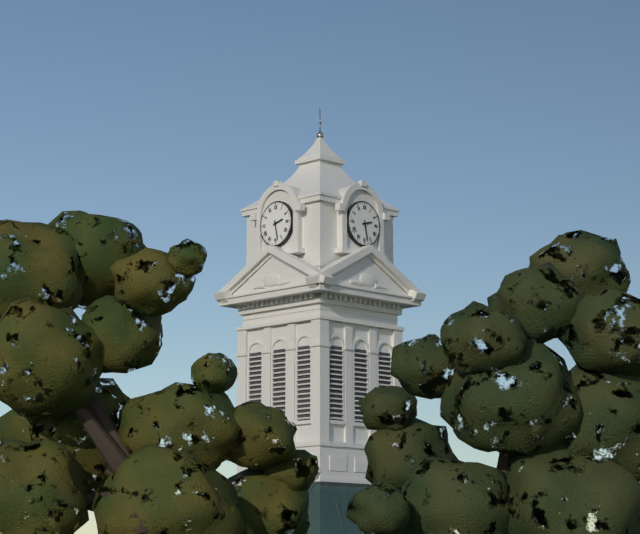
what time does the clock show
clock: 2:28
